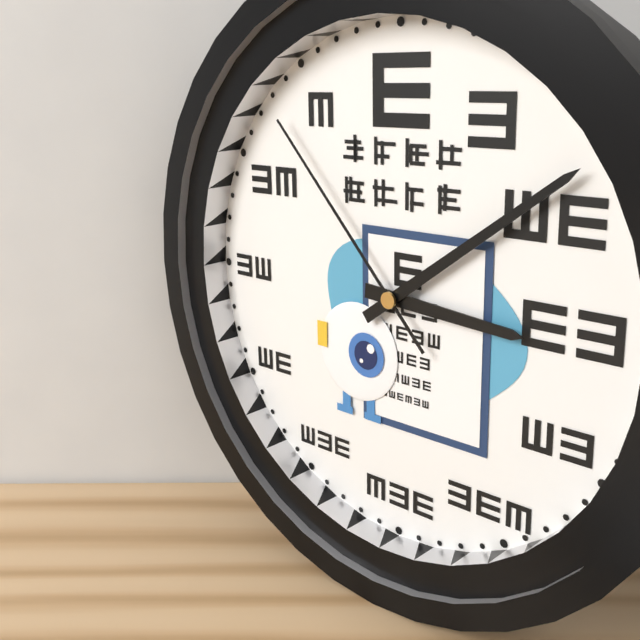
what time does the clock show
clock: 3:09:53
